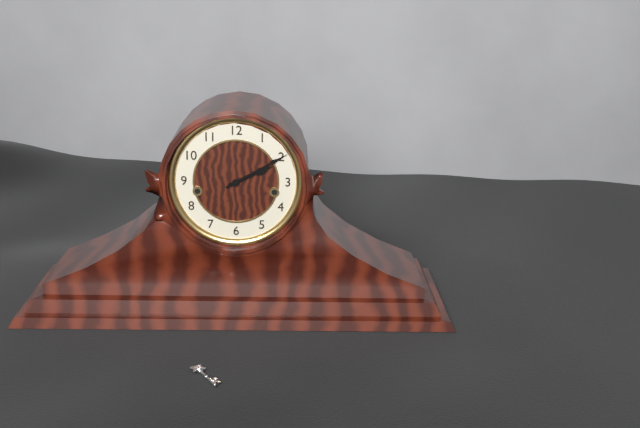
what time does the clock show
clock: 2:10
